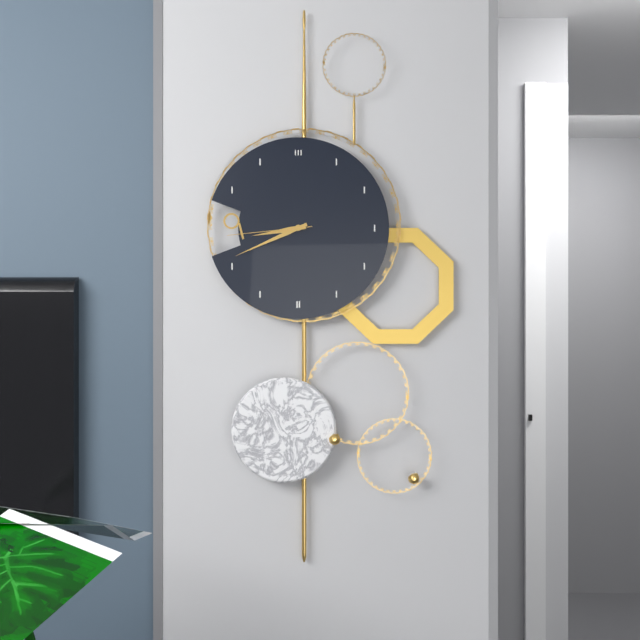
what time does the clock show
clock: 8:41:44
